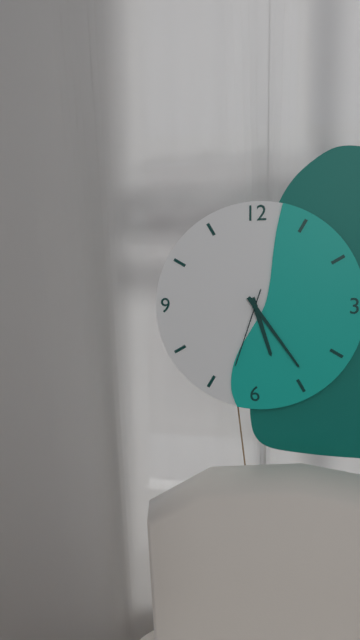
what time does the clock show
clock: 5:24:33
